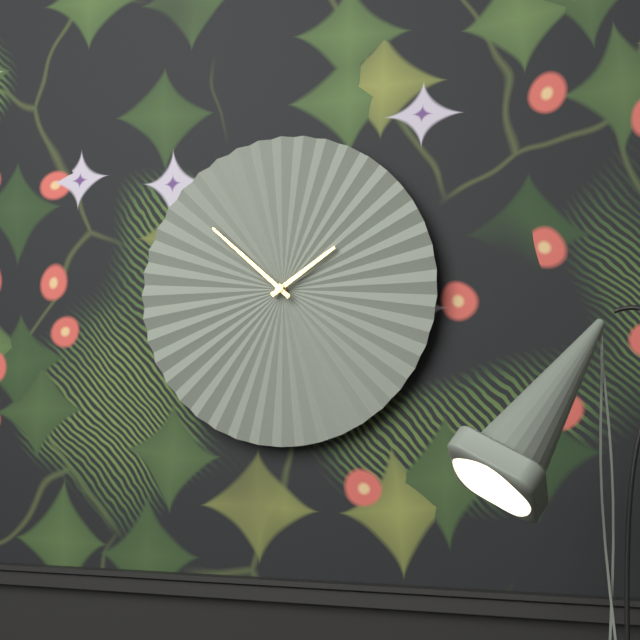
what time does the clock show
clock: 1:52
